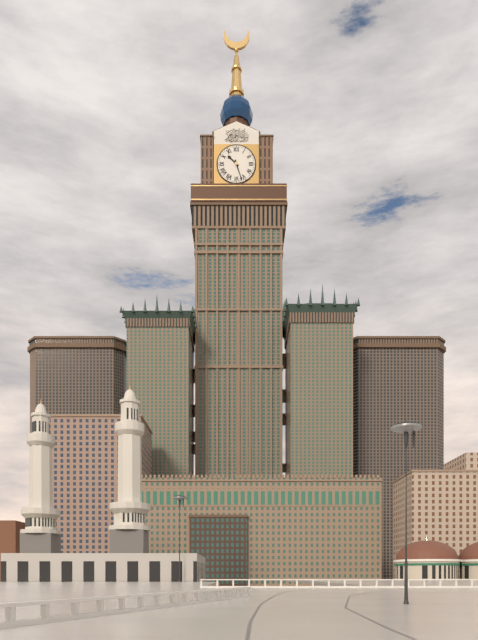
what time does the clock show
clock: 10:27
